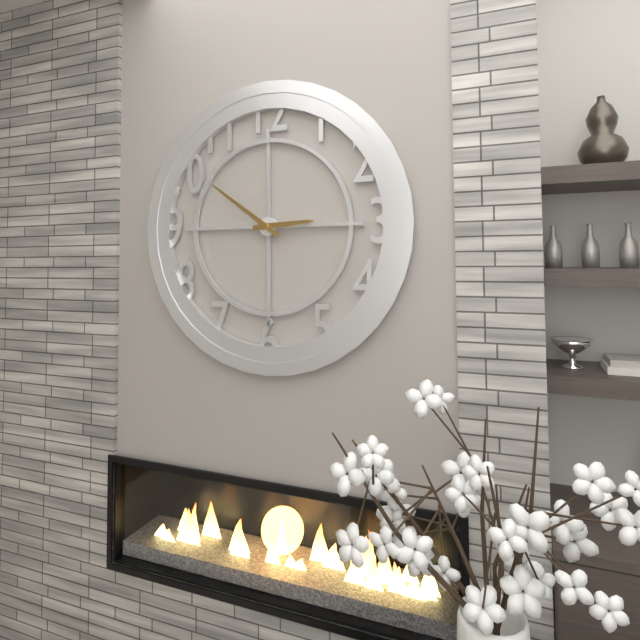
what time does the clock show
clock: 2:51
